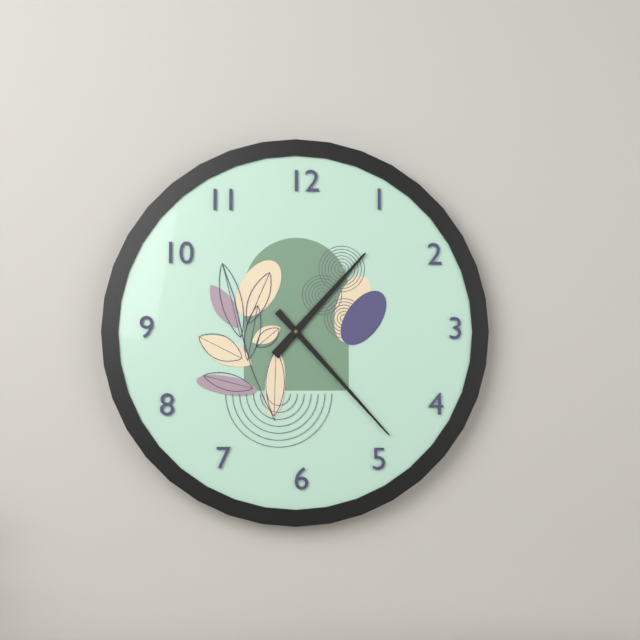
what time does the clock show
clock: 1:23
